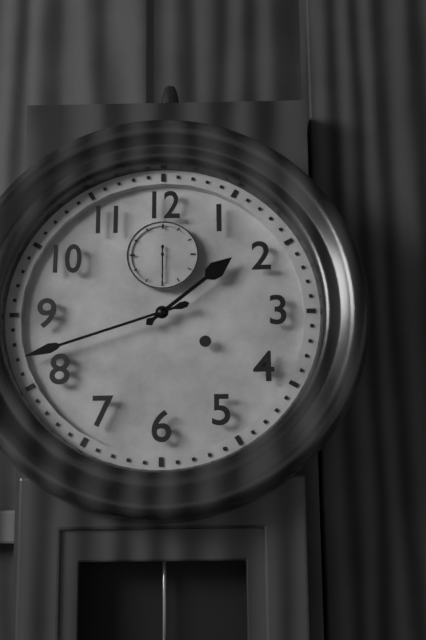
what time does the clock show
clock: 1:42
